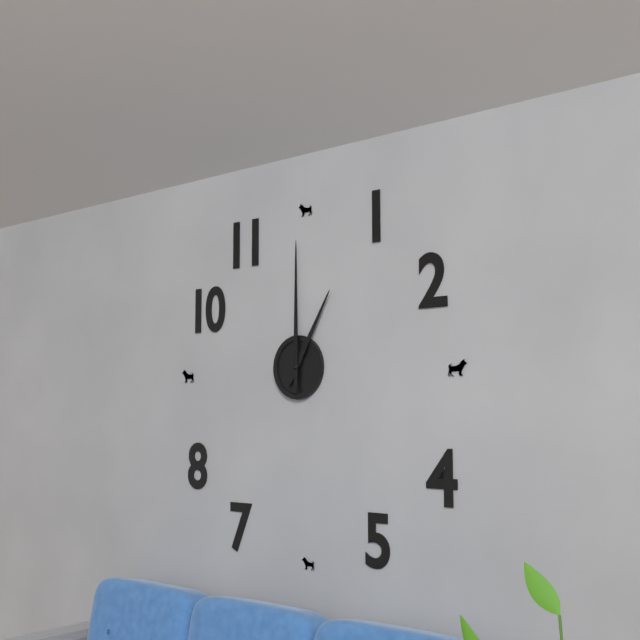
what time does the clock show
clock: 1:00
